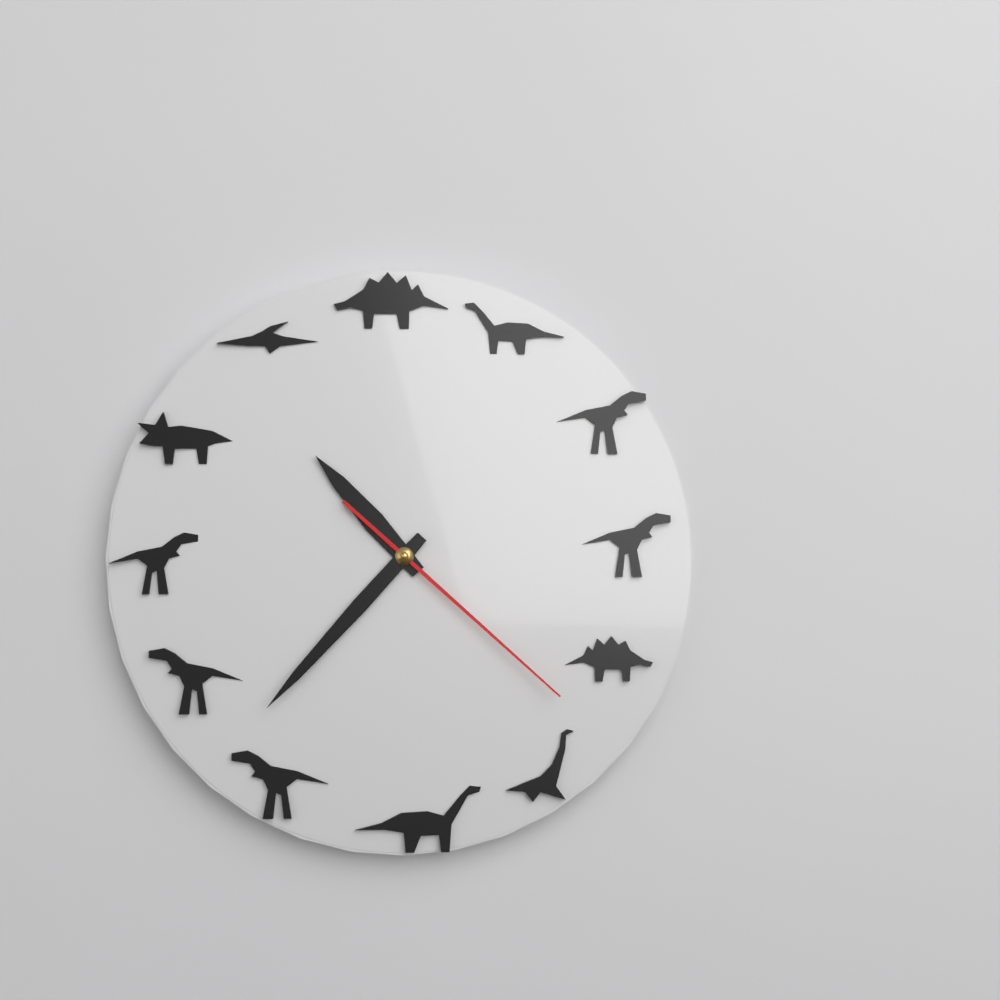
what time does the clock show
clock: 10:37:22
